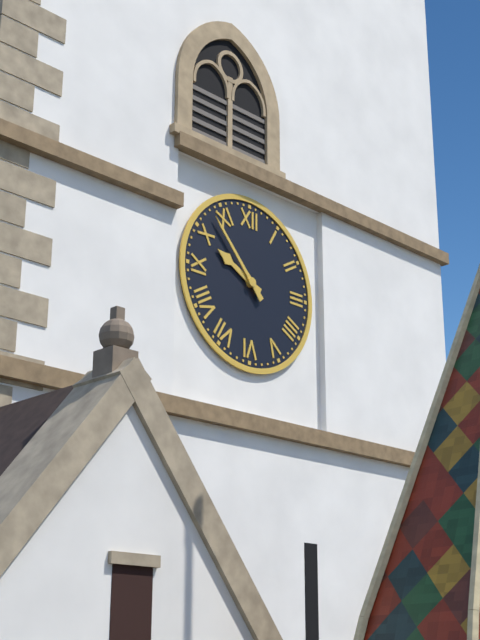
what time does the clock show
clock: 9:53
